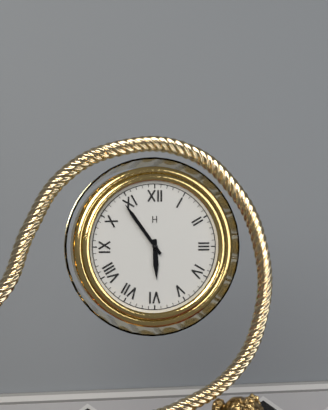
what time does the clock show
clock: 5:54
